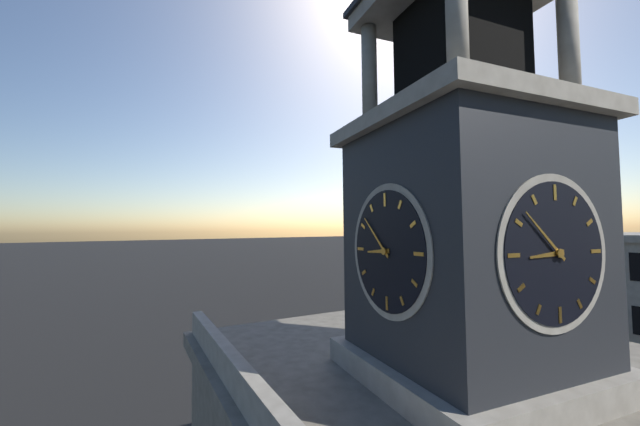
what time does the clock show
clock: 8:52
